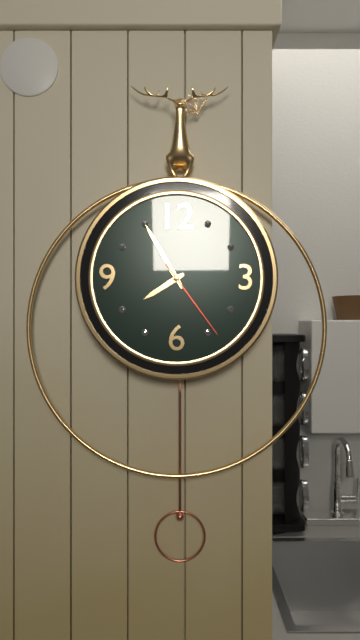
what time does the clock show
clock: 7:55:24
